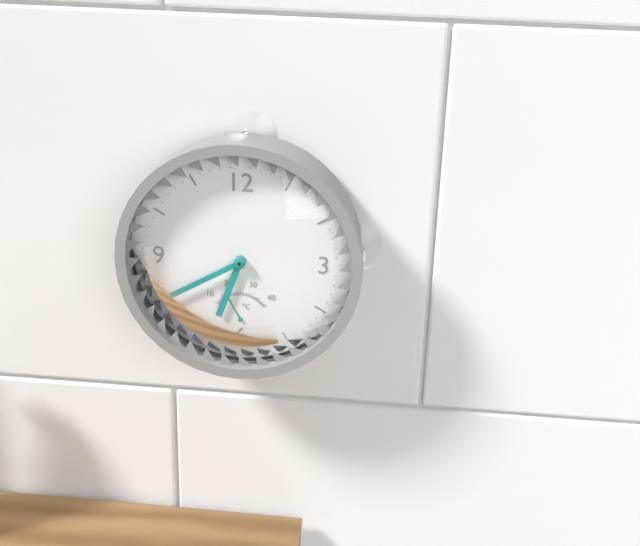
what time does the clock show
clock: 6:40
